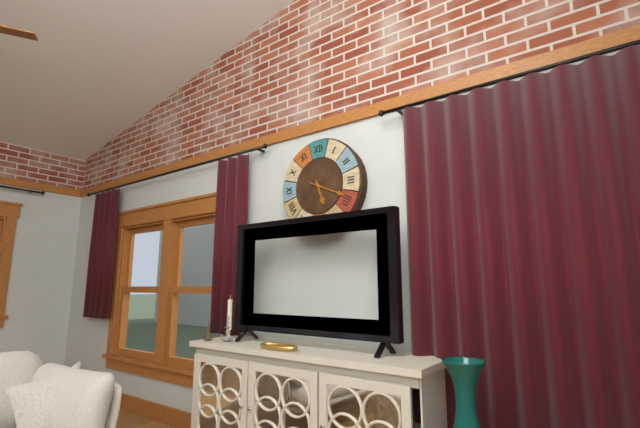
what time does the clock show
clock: 5:19
